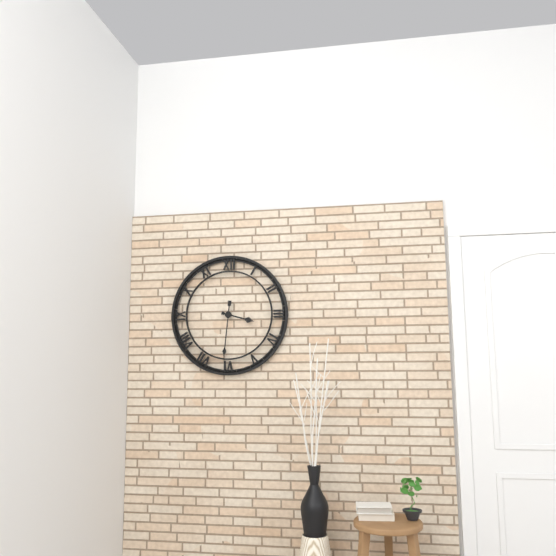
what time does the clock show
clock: 3:31
